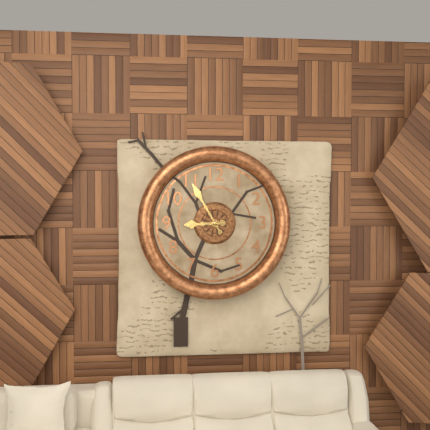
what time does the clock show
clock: 8:55
